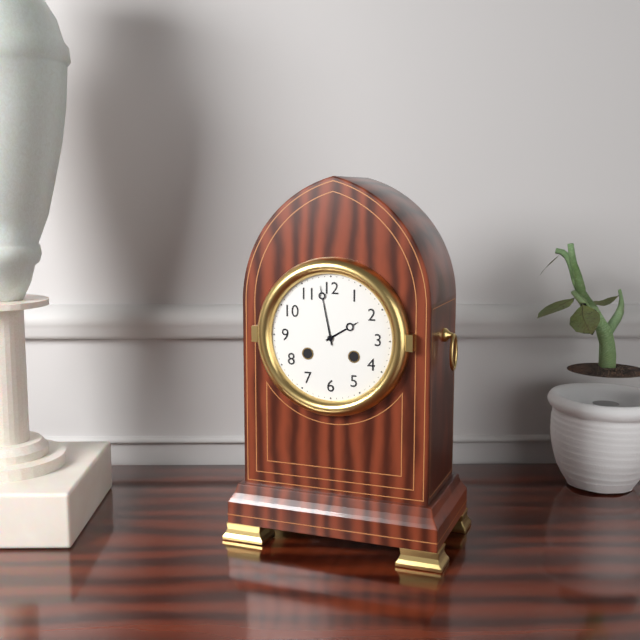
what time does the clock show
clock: 1:58
